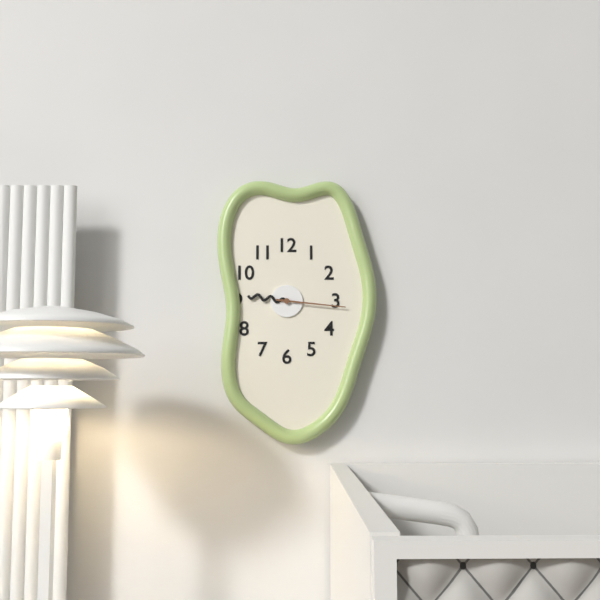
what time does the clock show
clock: 9:16
